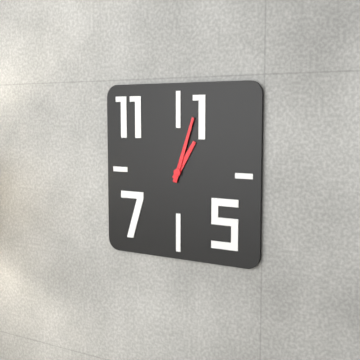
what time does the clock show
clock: 1:03
